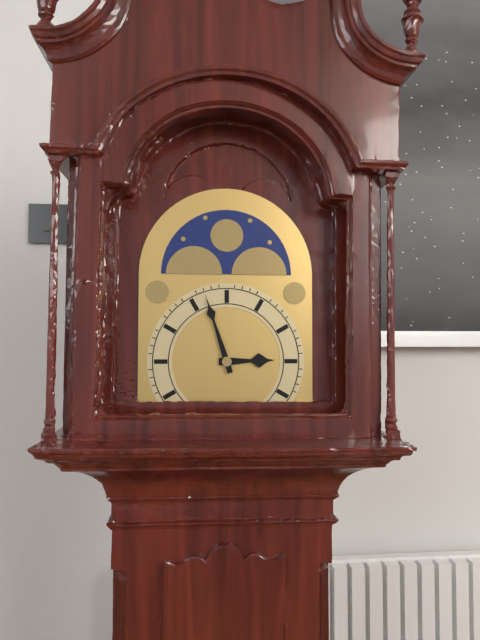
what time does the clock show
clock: 2:57
